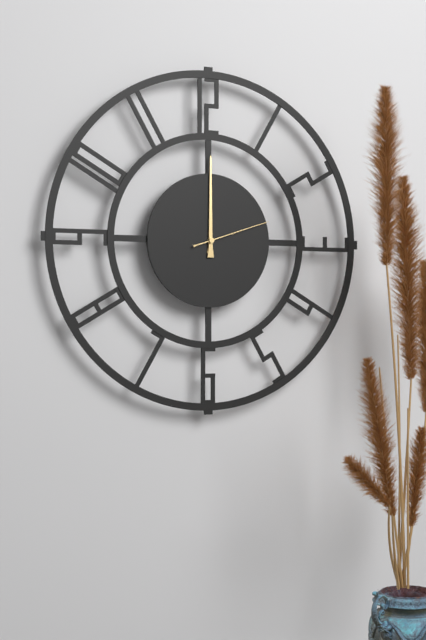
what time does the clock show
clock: 12:00:12
